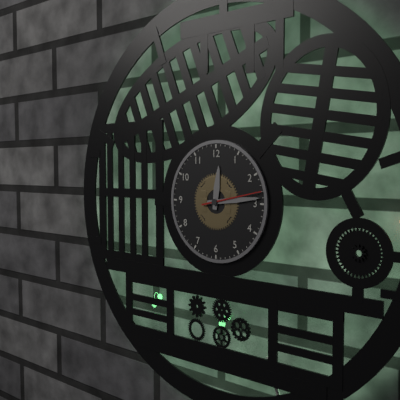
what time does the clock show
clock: 12:14:13
